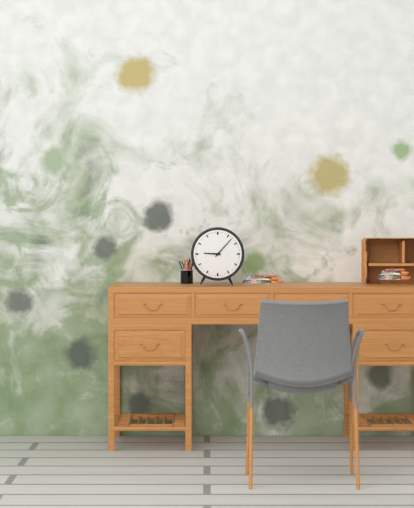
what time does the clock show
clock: 9:07
